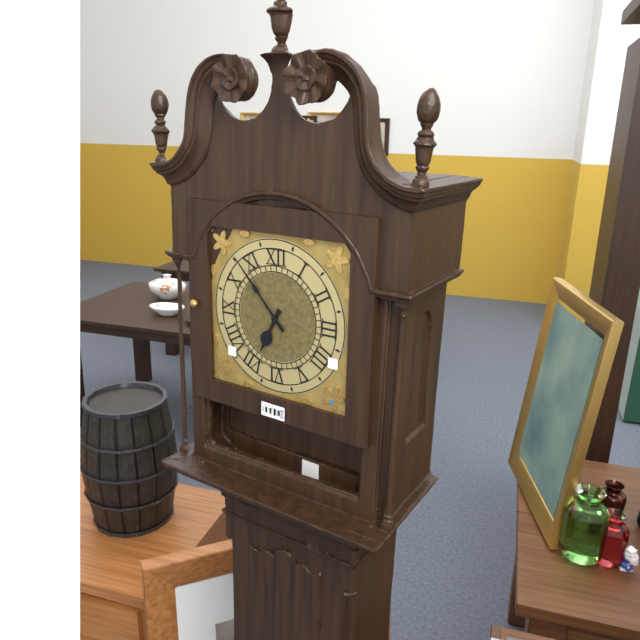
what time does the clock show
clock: 6:53
